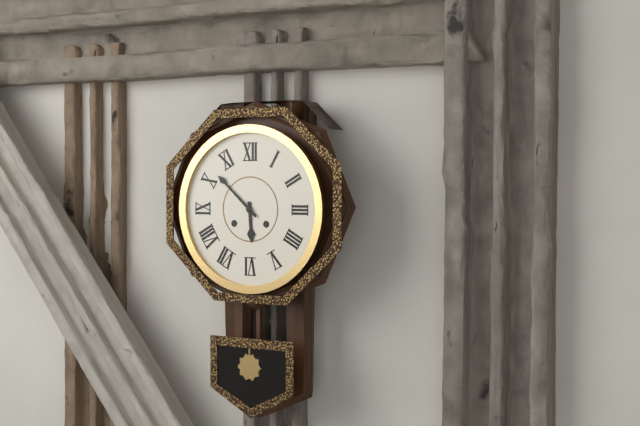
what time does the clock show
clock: 5:52
